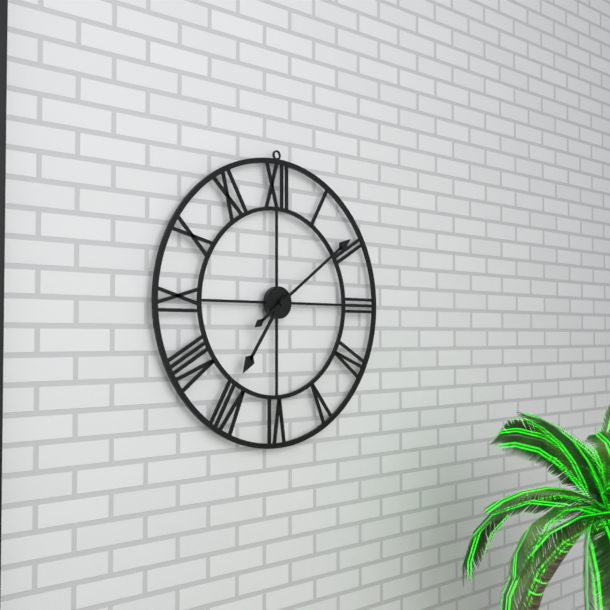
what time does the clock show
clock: 7:09
